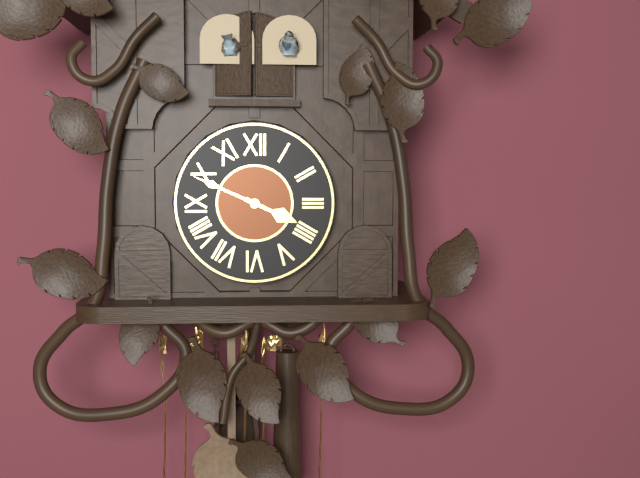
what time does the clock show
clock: 3:49
